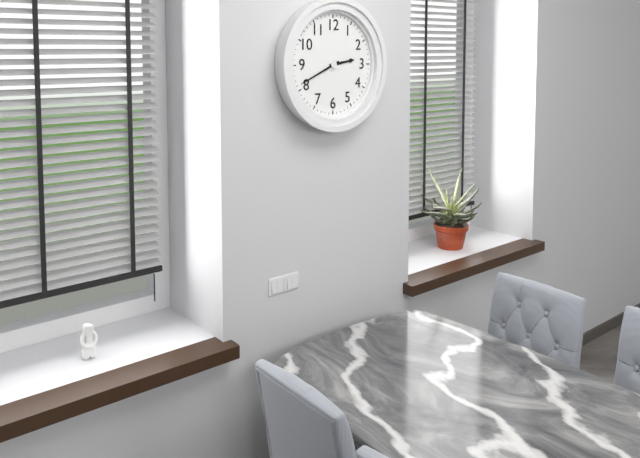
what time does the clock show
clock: 2:41
